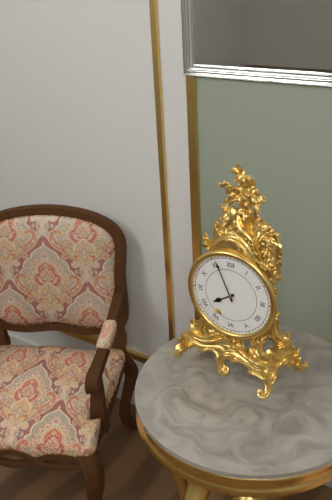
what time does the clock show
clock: 7:56
